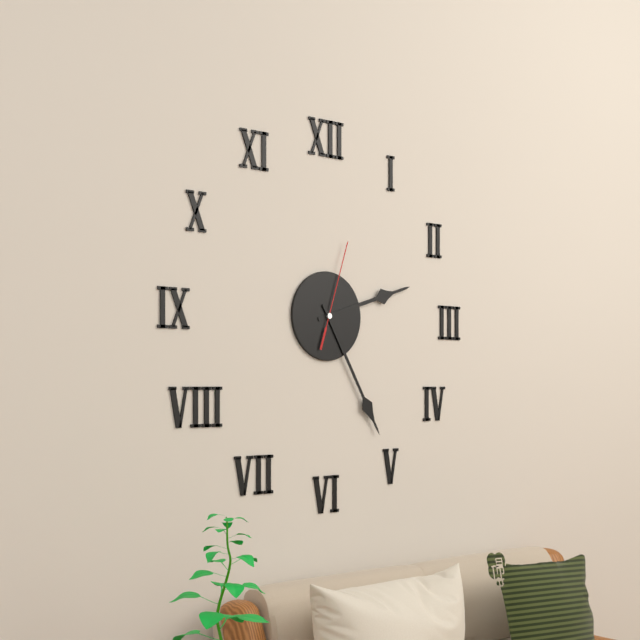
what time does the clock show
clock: 2:25:03
